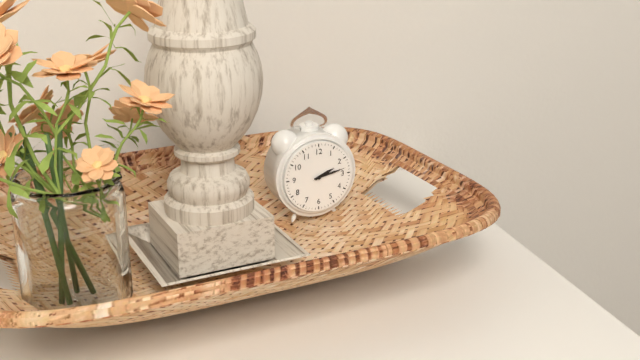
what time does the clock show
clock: 2:13
